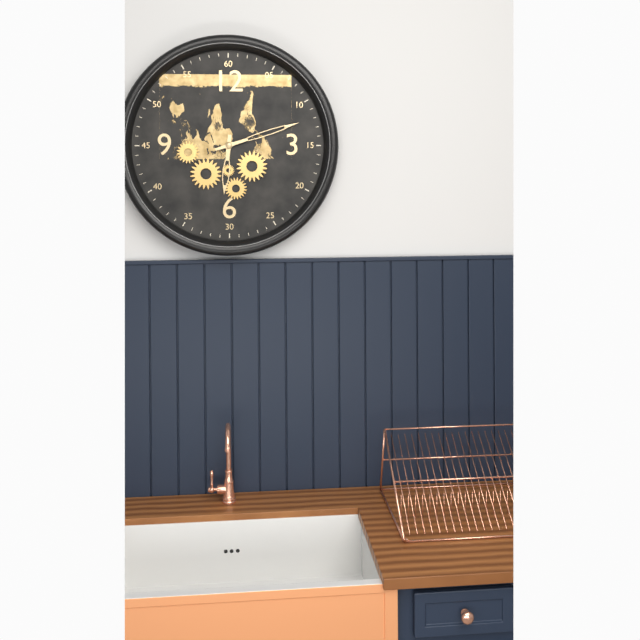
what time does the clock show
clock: 6:12
